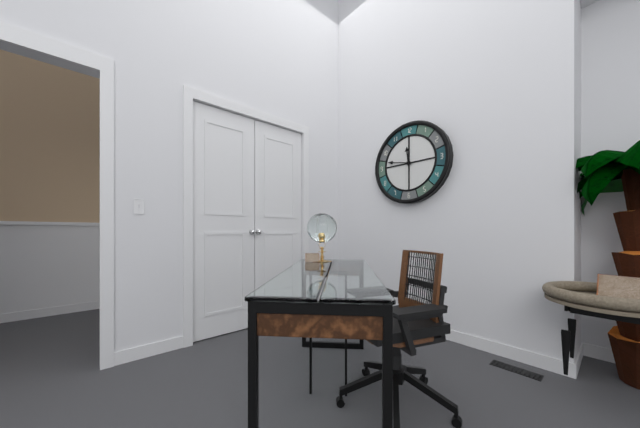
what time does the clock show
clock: 11:47
